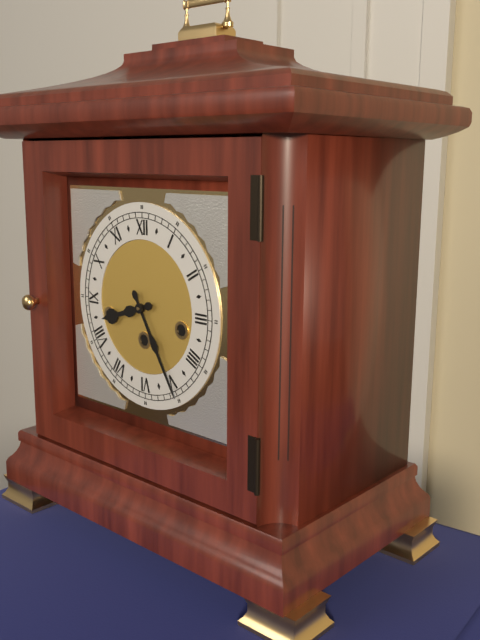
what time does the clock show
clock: 8:25
